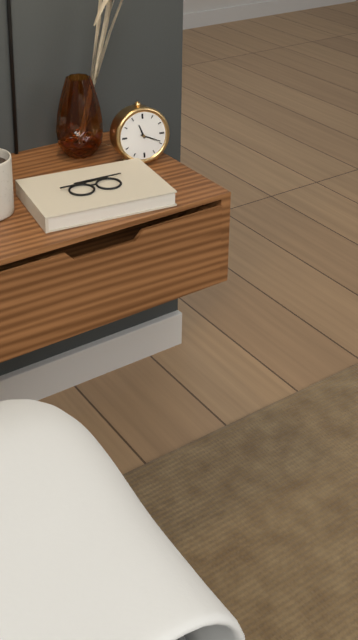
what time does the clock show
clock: 11:19
